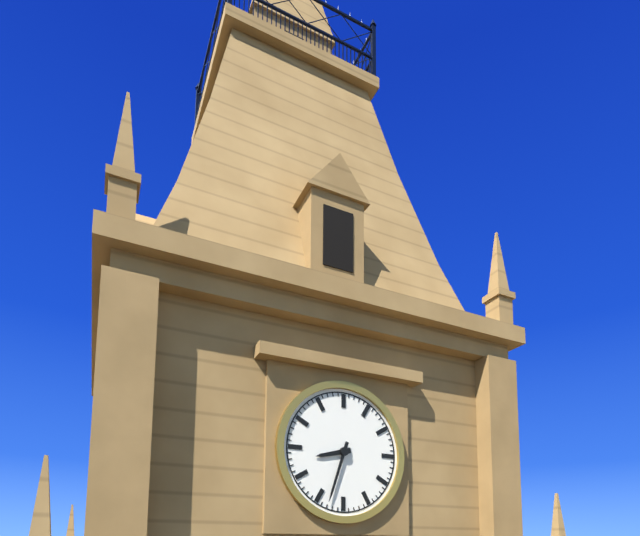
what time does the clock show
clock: 8:33
